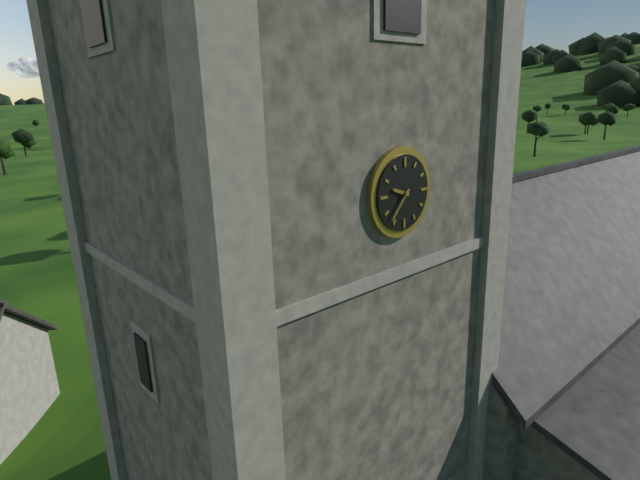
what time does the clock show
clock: 9:37
